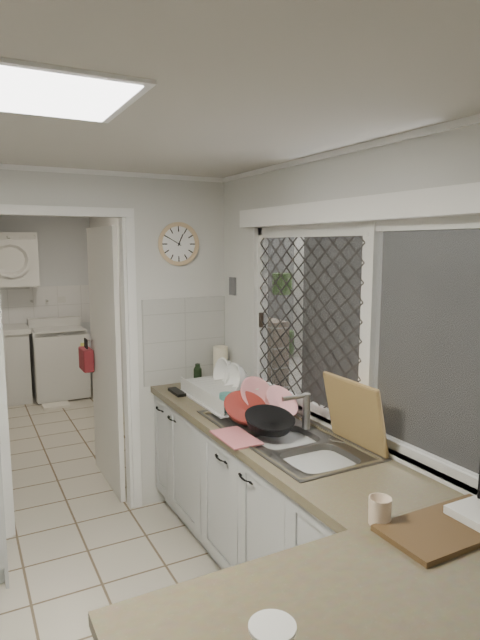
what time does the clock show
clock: 12:50
